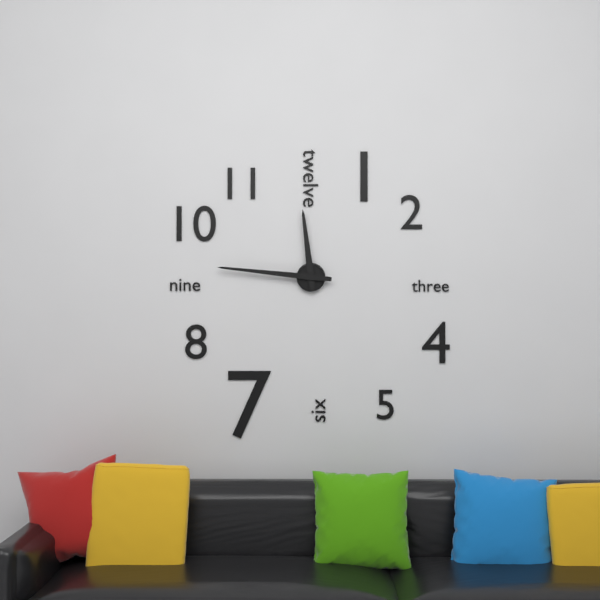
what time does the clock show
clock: 11:46
